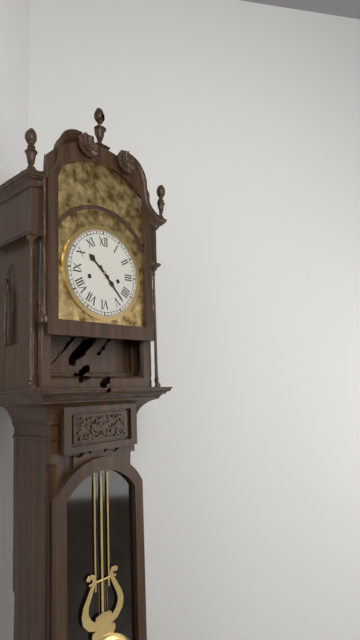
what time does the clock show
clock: 10:23
